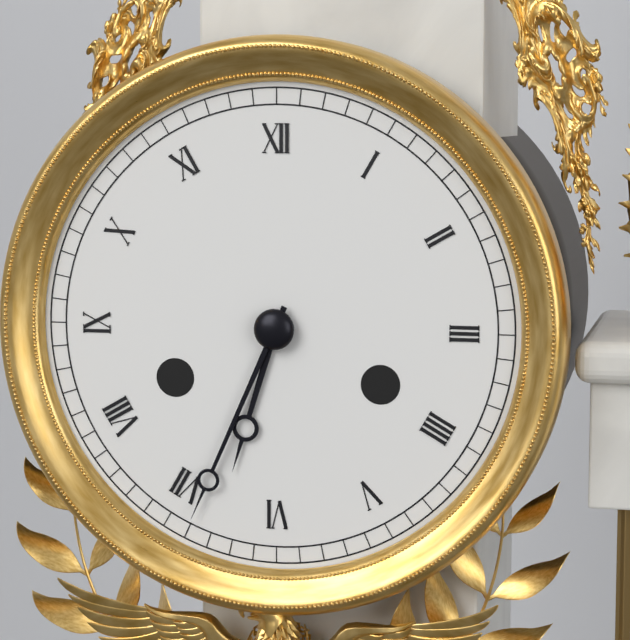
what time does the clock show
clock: 6:34
